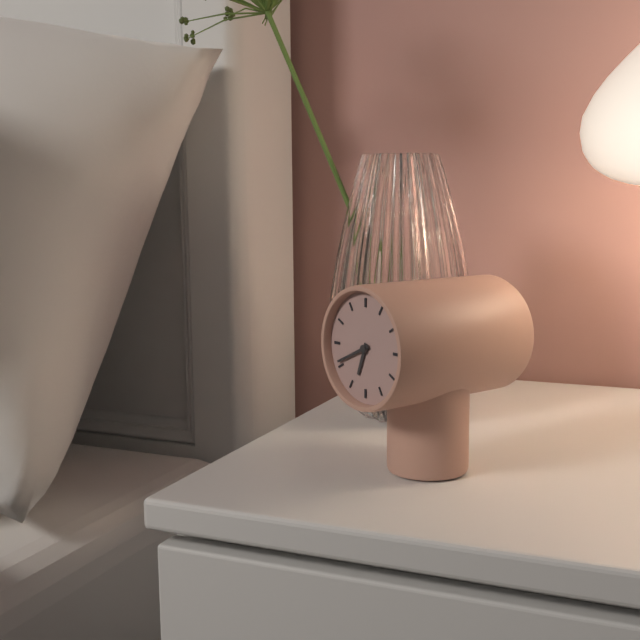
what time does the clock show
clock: 6:41
